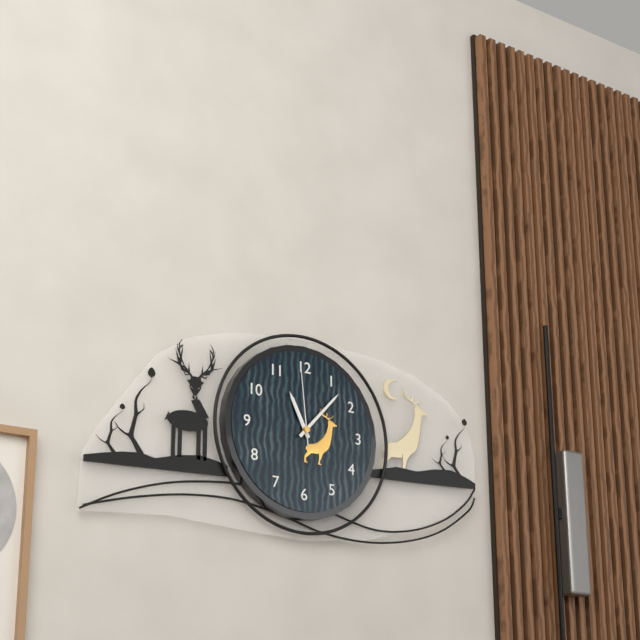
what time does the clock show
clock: 11:07:59
